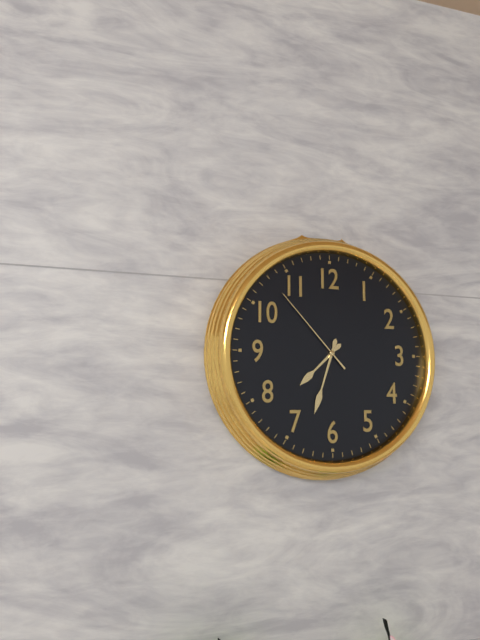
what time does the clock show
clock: 7:33:53
